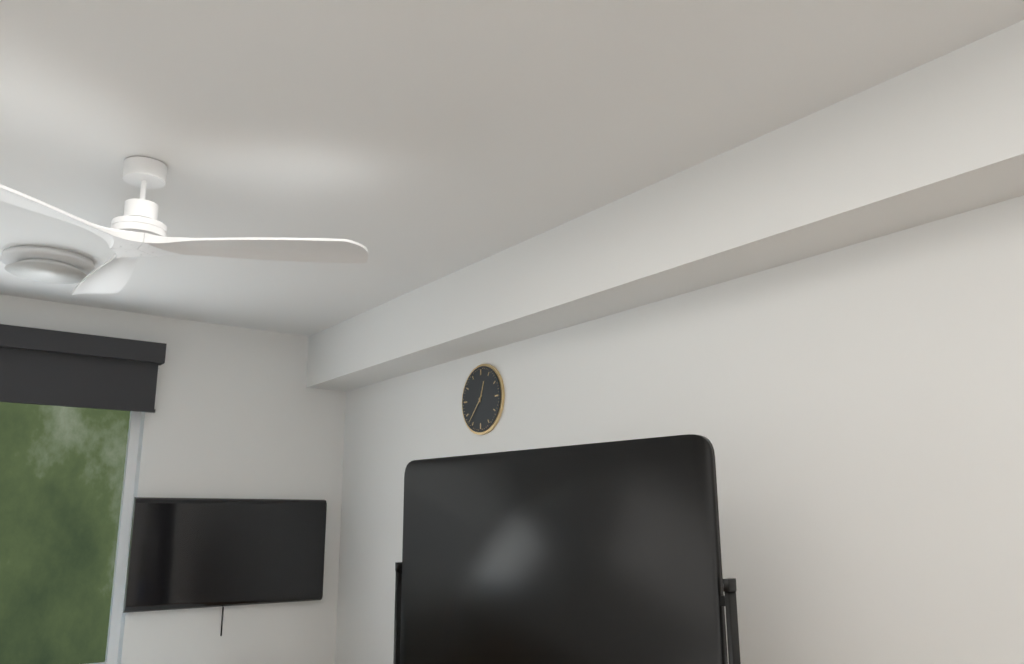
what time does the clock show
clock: 12:37
